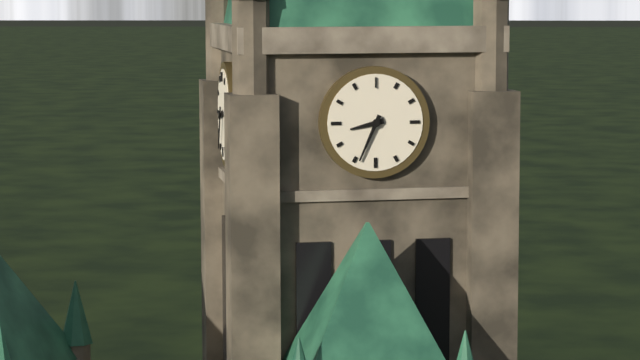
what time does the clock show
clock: 8:34
